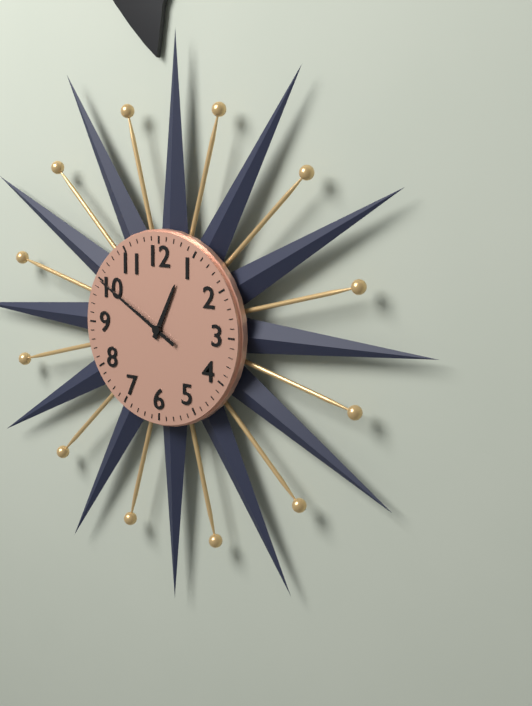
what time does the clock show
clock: 12:50
